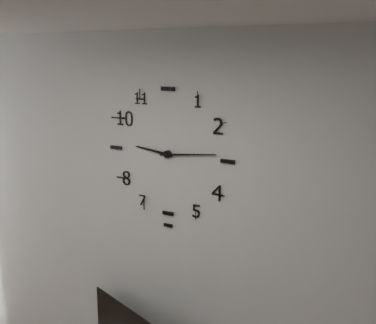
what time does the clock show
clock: 9:14
